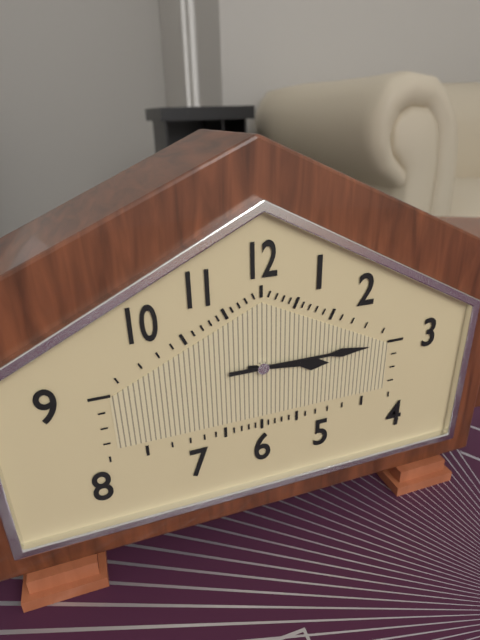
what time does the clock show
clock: 3:15
